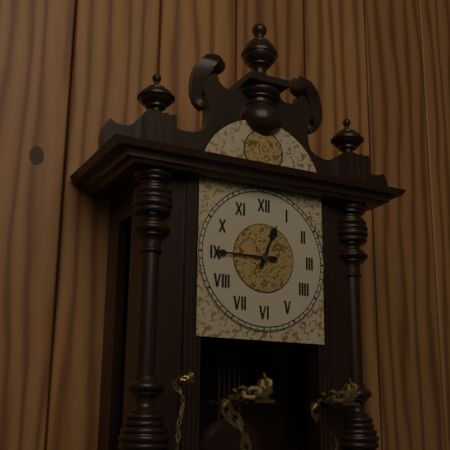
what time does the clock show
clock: 12:45
